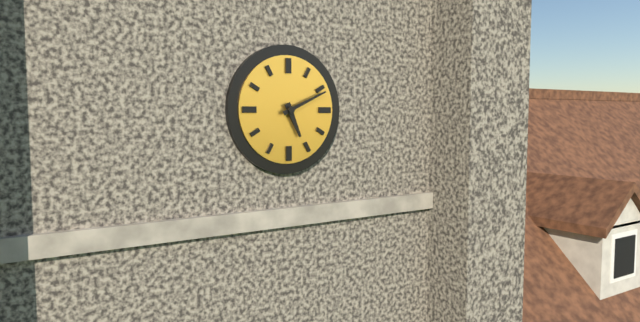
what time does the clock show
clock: 5:11
